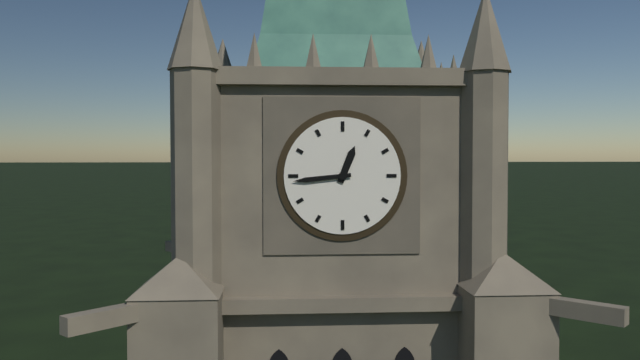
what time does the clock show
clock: 12:44
